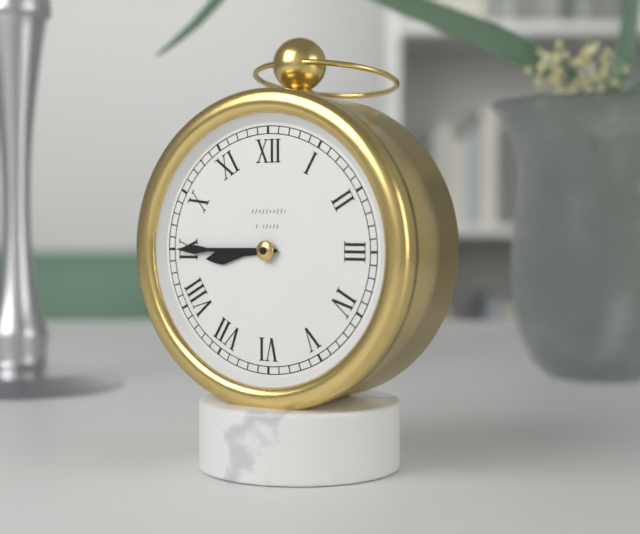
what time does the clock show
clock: 8:45
